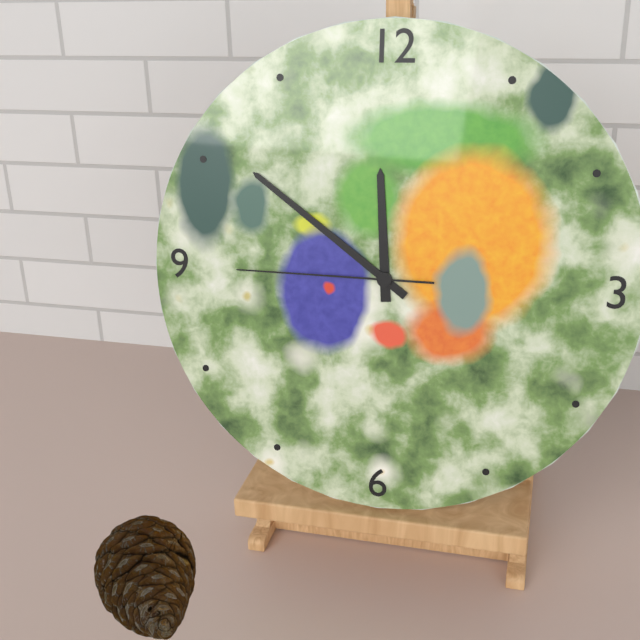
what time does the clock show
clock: 11:51:45
